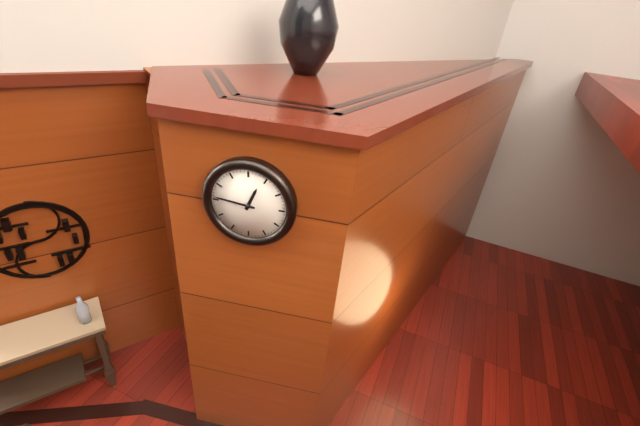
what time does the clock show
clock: 12:46
